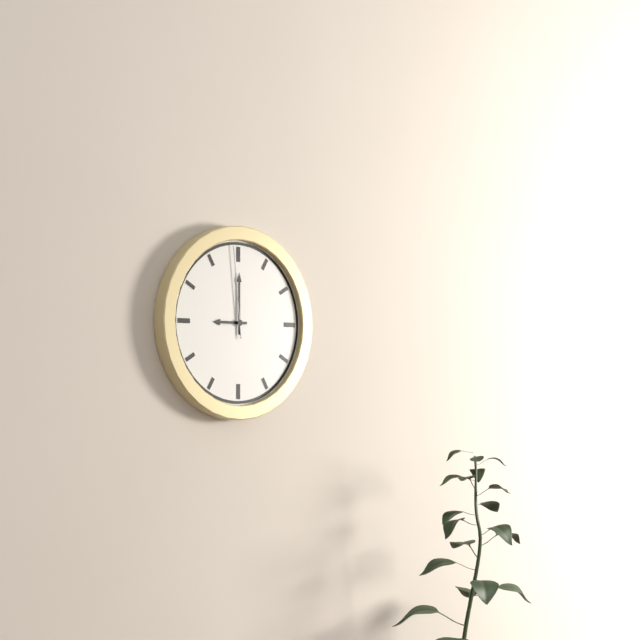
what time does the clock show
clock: 9:00:59
